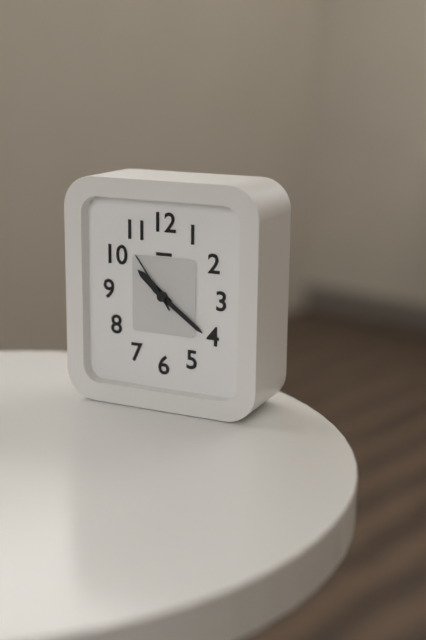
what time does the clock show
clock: 10:21:54
